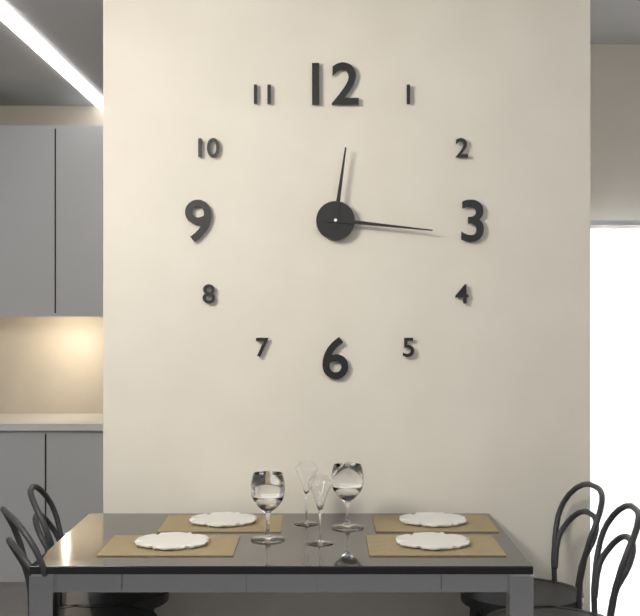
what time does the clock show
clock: 12:16
